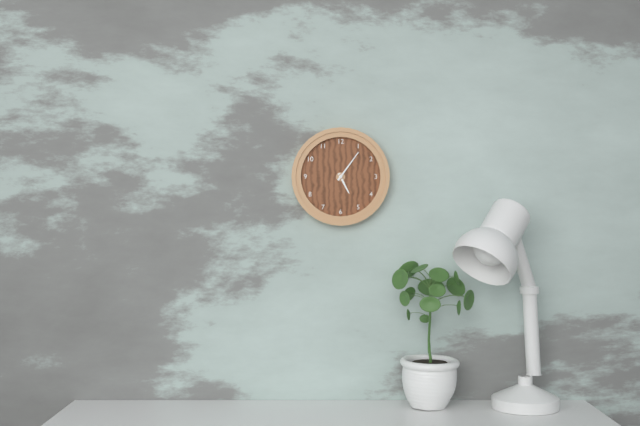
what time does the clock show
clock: 5:06
